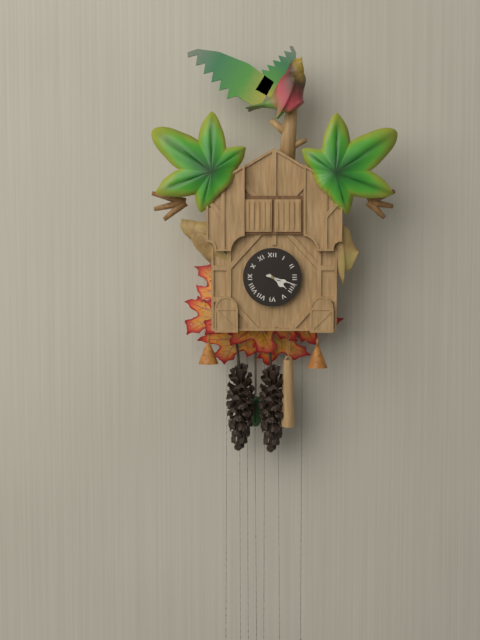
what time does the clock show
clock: 4:18
